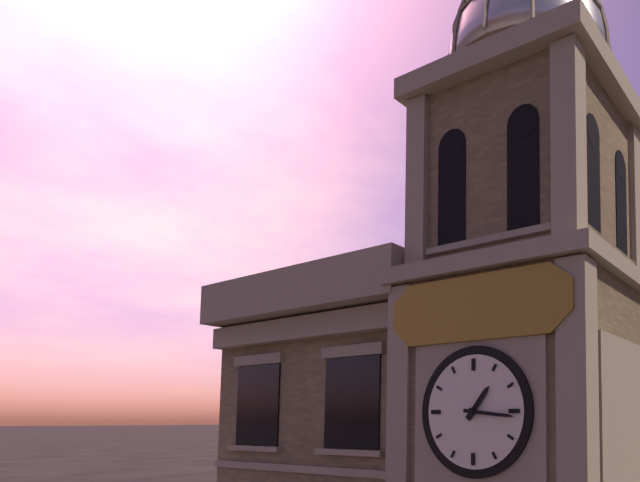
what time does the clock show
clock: 1:16
